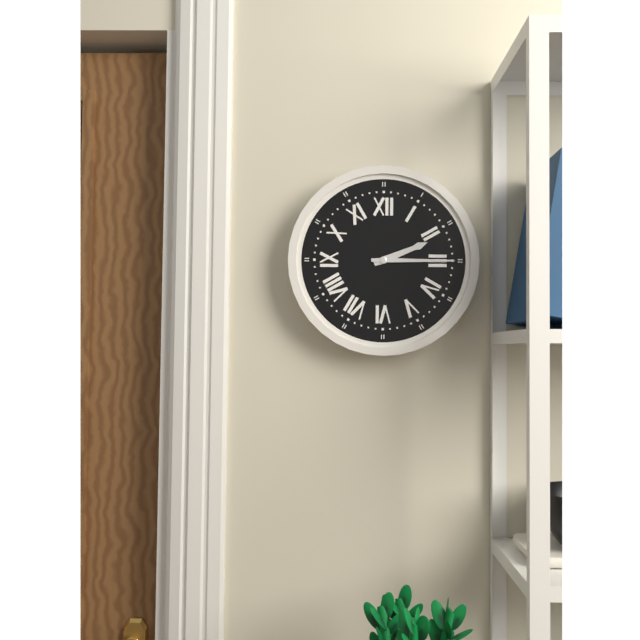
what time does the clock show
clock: 2:15
